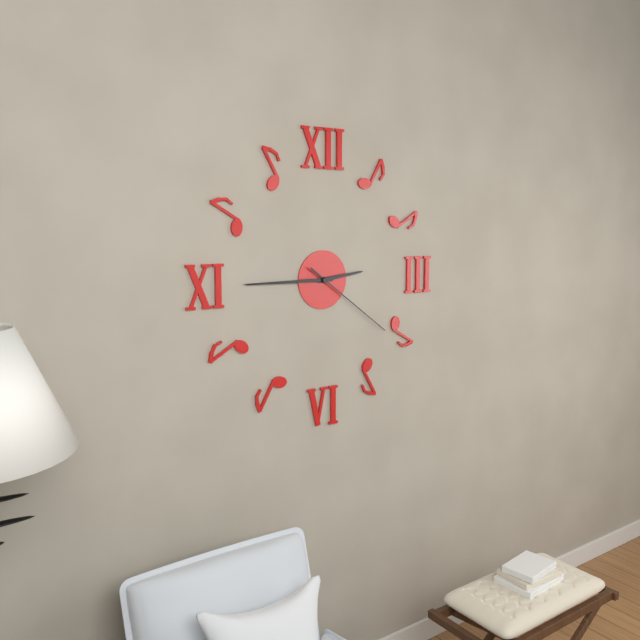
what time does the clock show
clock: 2:45:21
